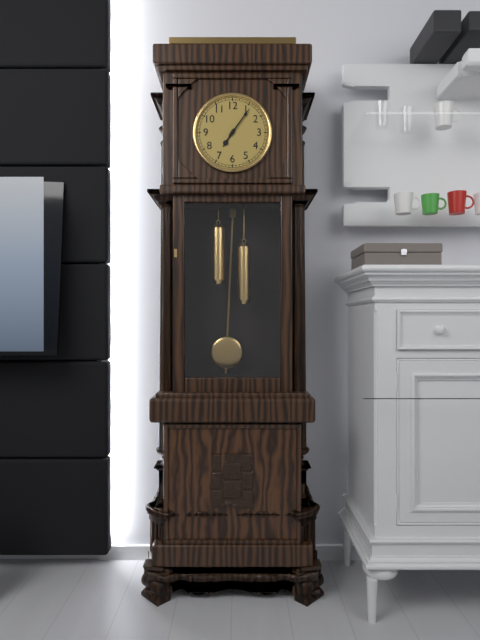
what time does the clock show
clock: 7:06
